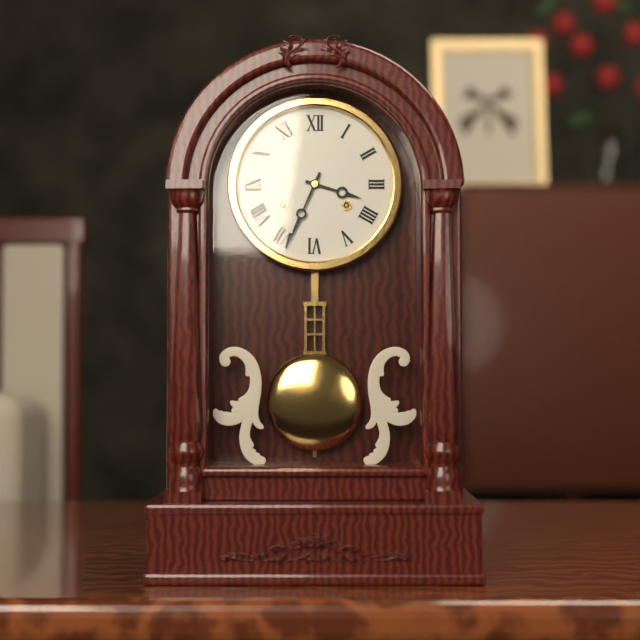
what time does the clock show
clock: 3:34
